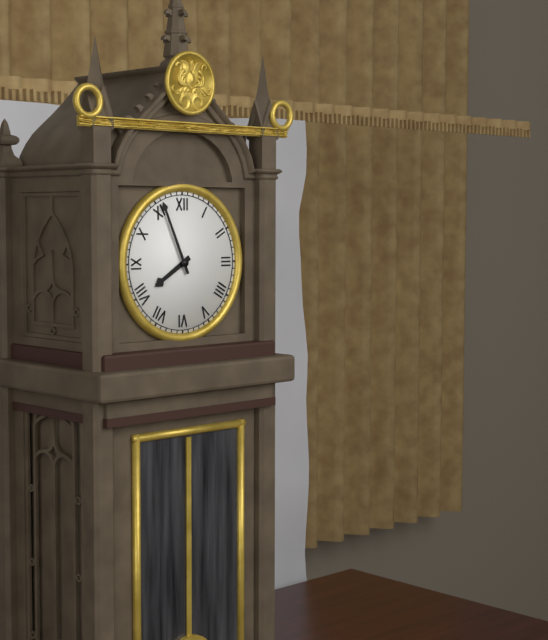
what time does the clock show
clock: 7:56
